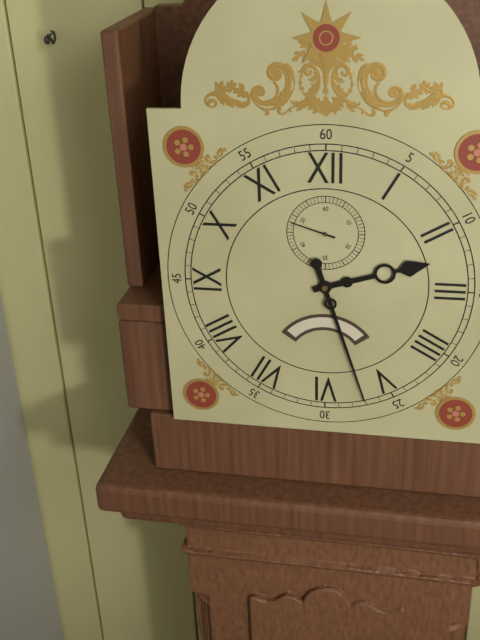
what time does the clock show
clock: 2:27
